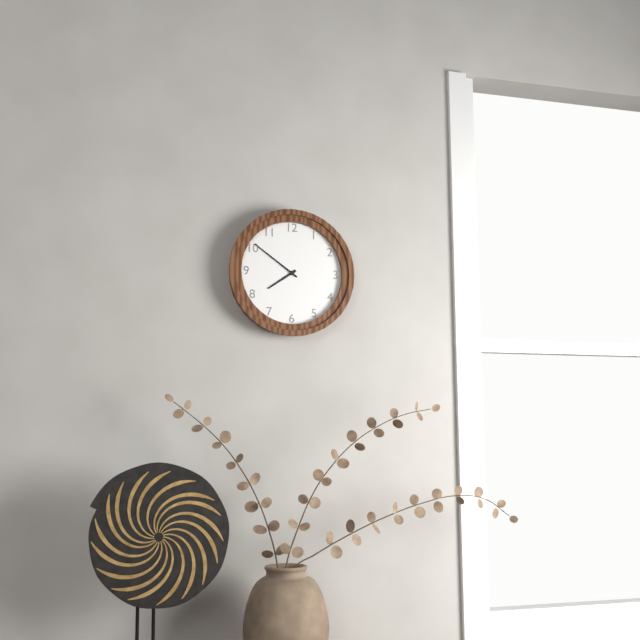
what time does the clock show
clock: 7:51
